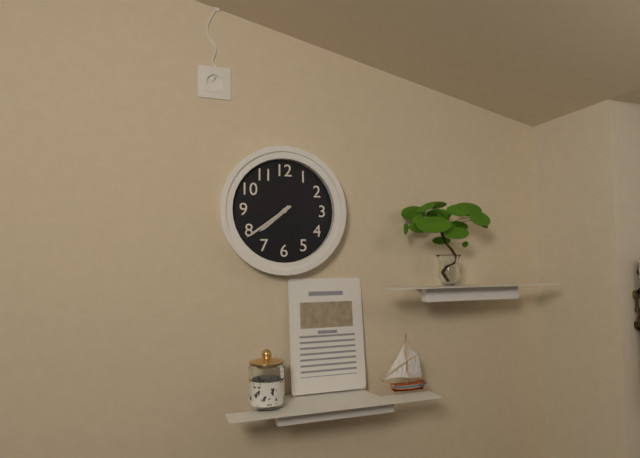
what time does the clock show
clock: 7:39
